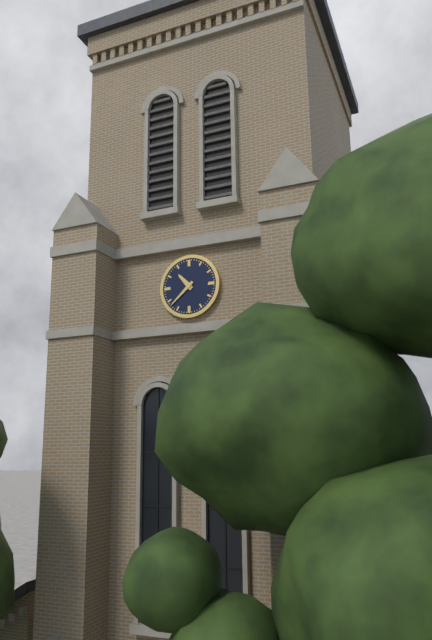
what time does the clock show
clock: 10:38
